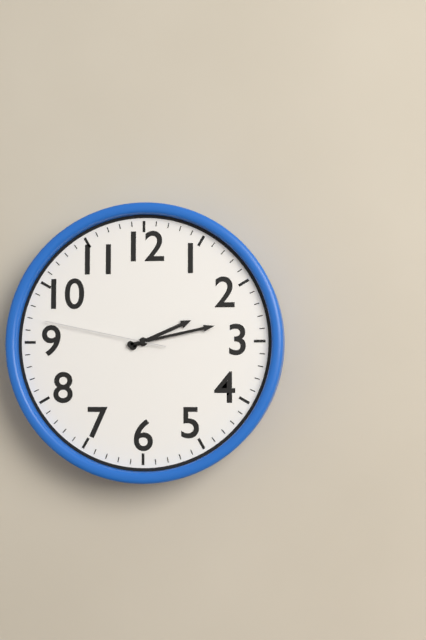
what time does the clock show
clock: 2:13:47
